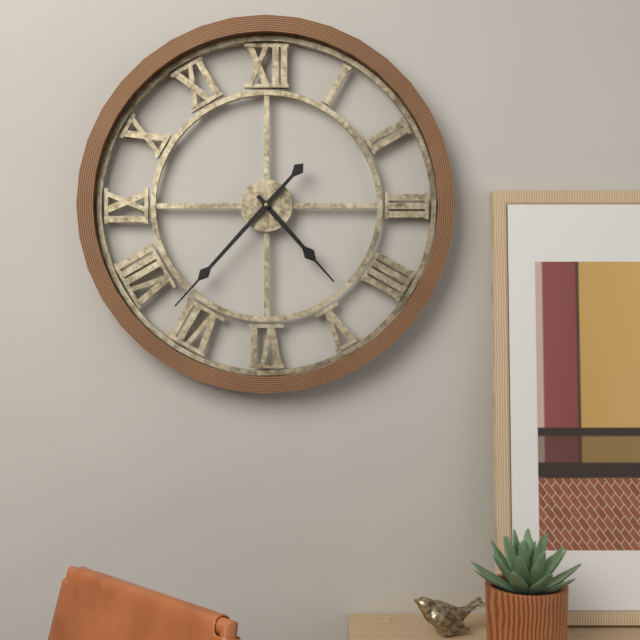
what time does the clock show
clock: 4:37
